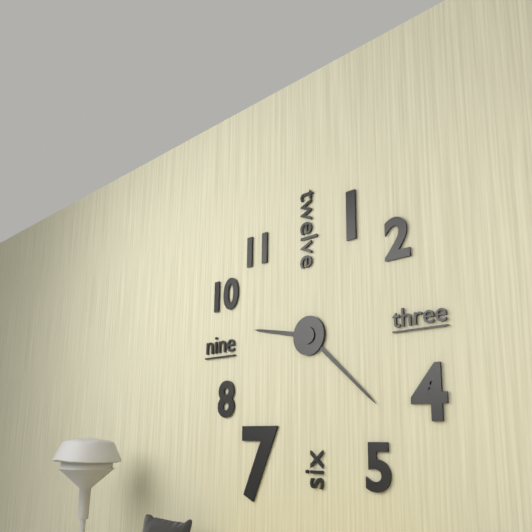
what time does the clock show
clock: 9:22
